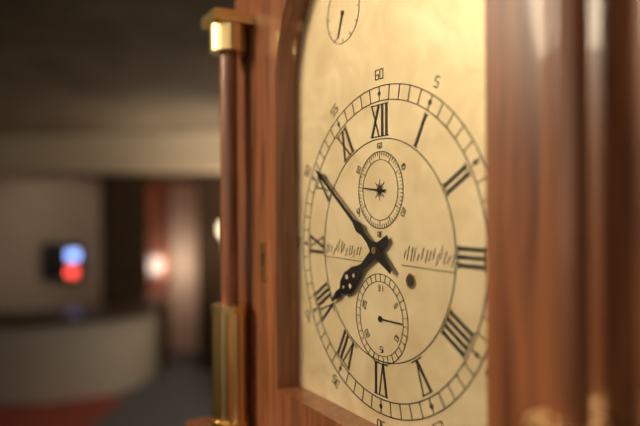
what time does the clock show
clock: 7:51
